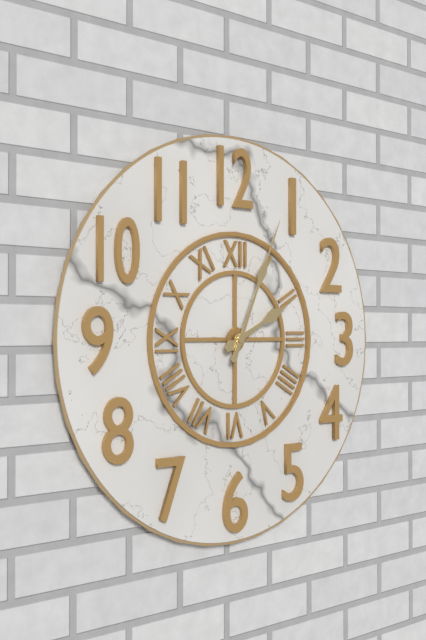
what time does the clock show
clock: 2:04
